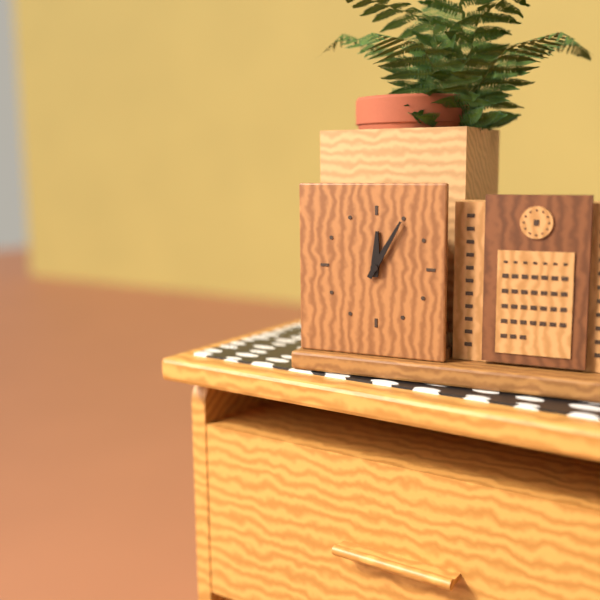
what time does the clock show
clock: 12:05
